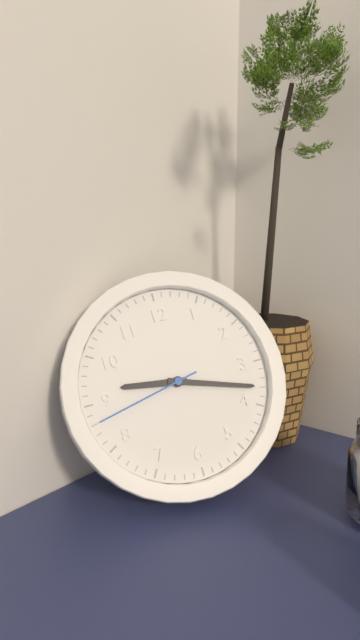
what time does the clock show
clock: 9:18:43
